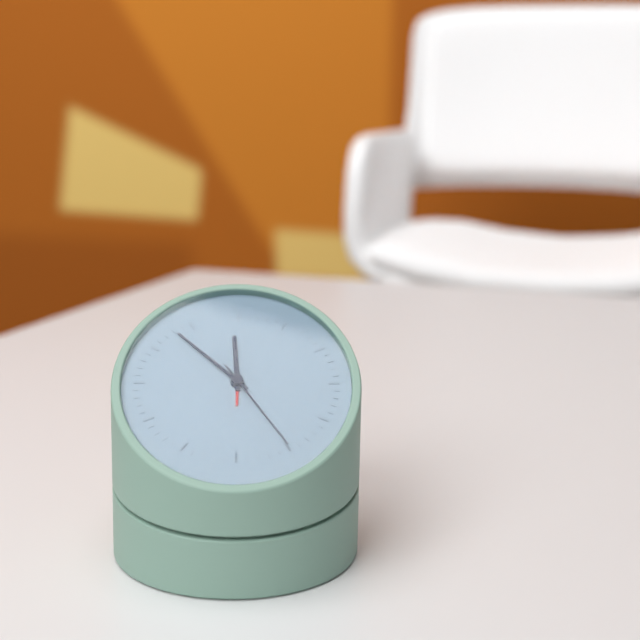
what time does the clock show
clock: 11:53:25
